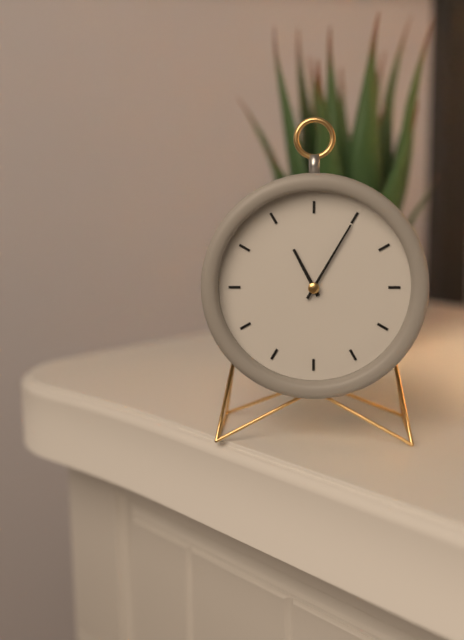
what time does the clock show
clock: 11:05
